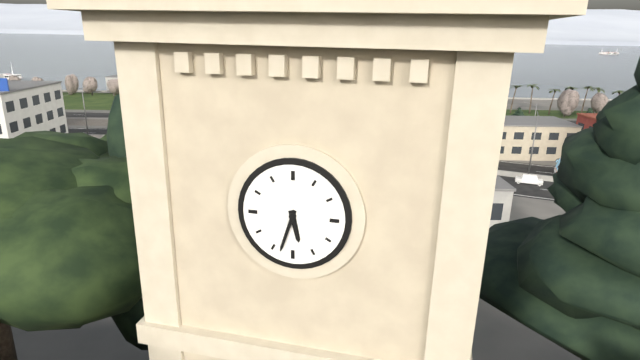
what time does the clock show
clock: 5:33
